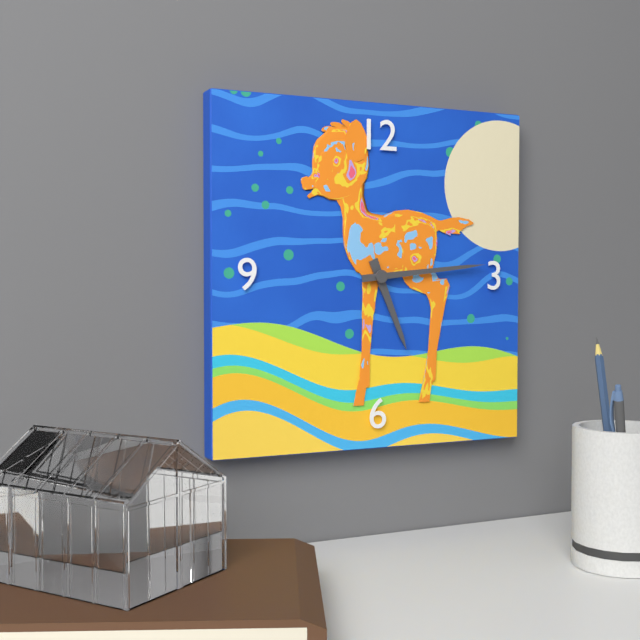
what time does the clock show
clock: 5:14
